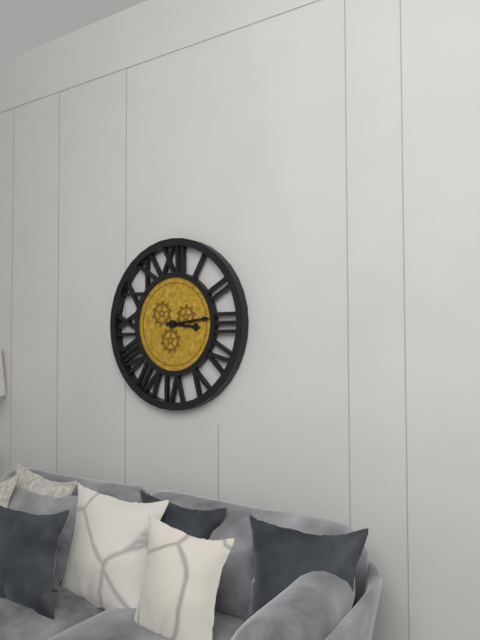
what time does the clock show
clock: 3:14
